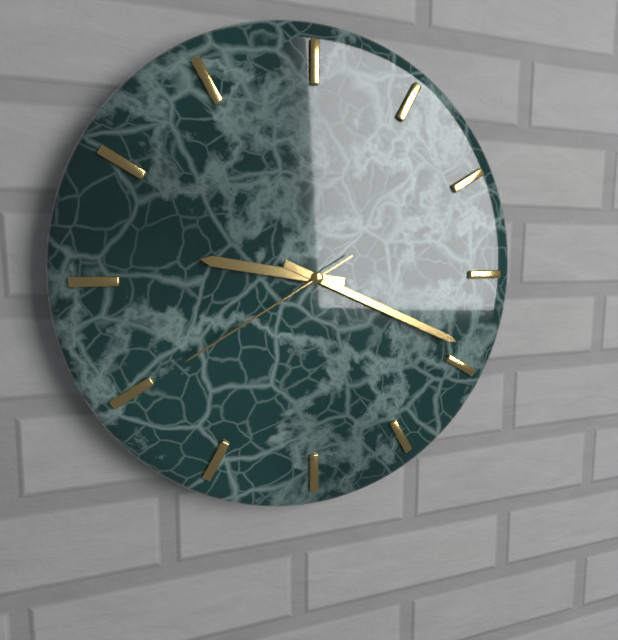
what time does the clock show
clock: 9:19:40
